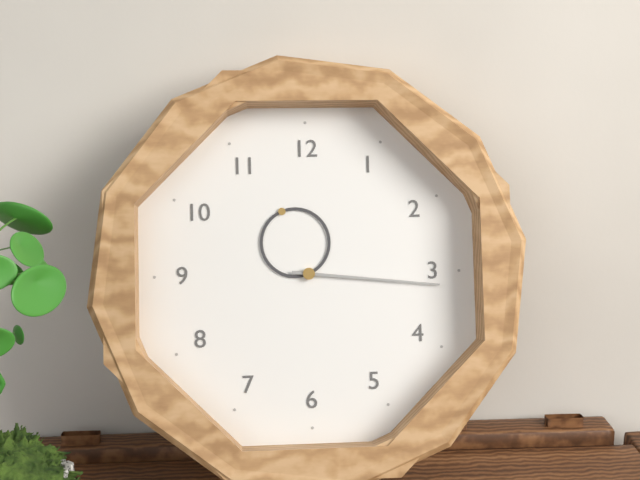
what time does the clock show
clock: 11:16
